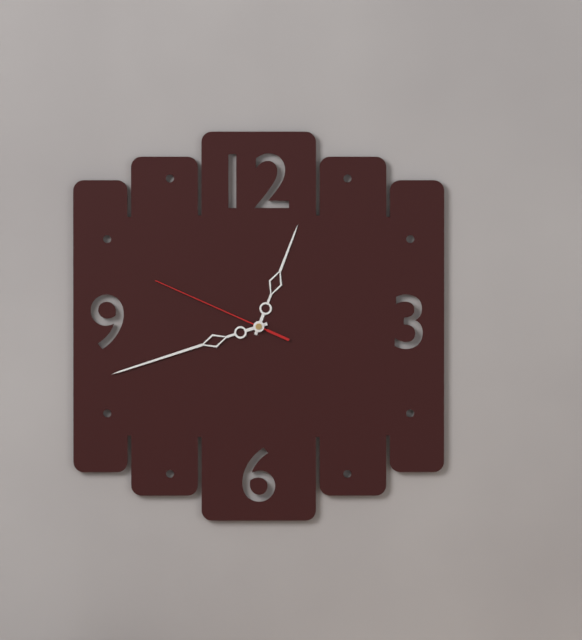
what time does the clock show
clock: 12:42:49
